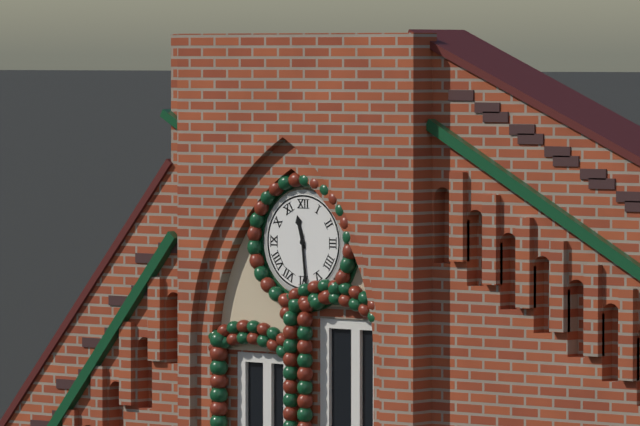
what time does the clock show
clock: 11:29
